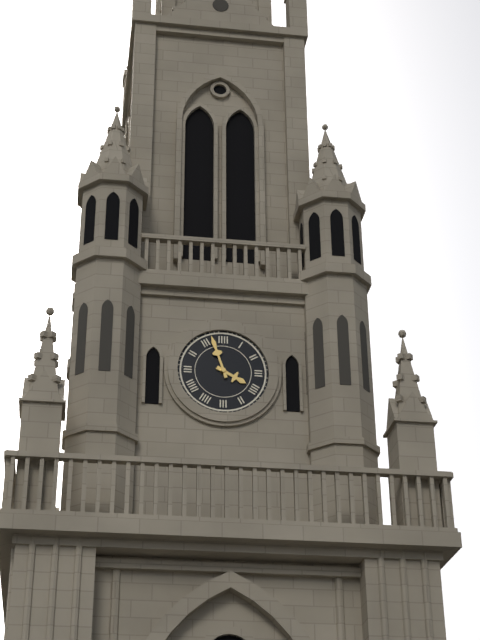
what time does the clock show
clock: 3:57
